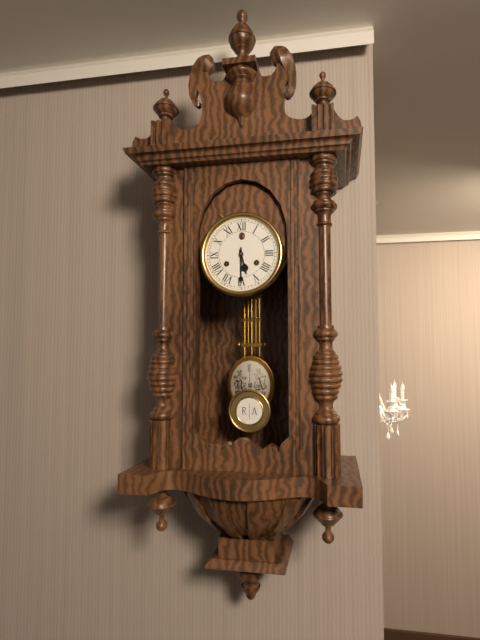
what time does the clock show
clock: 5:30
